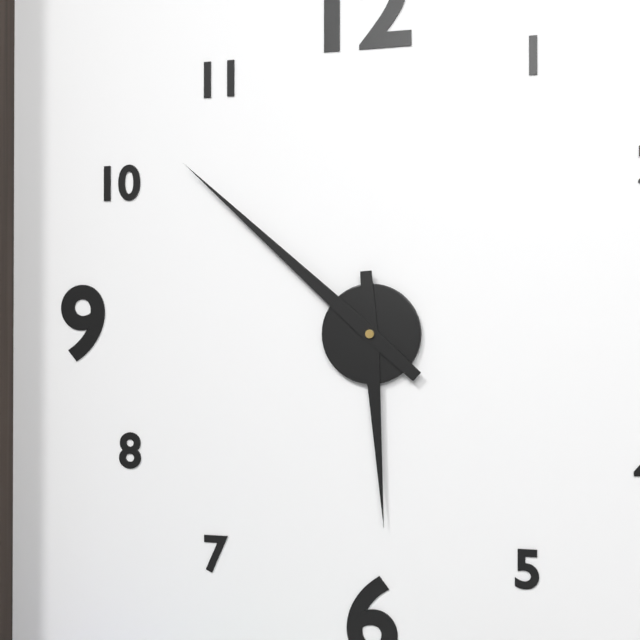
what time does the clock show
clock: 5:52
